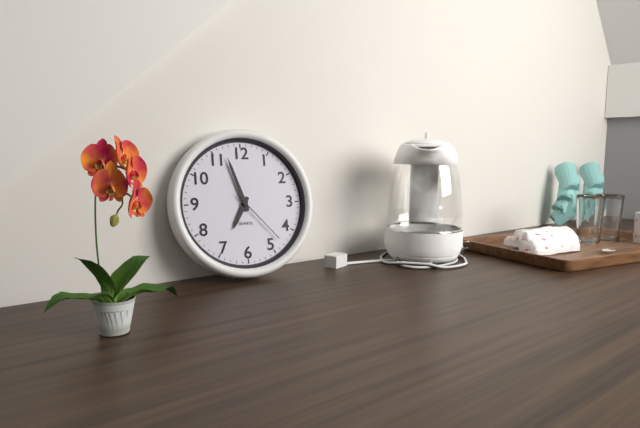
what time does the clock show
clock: 6:57:23
